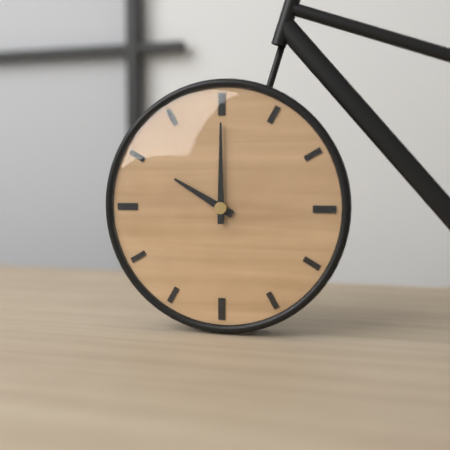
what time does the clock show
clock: 10:00
